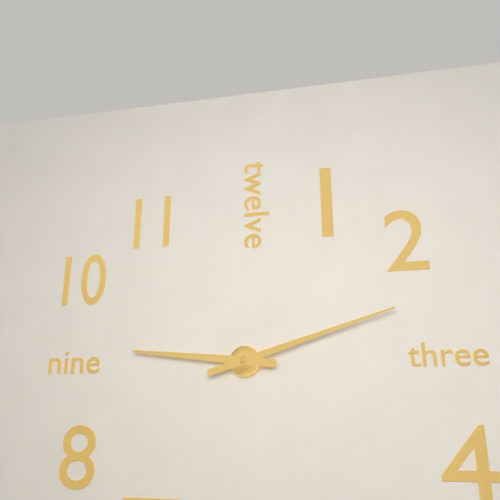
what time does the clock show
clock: 9:12
